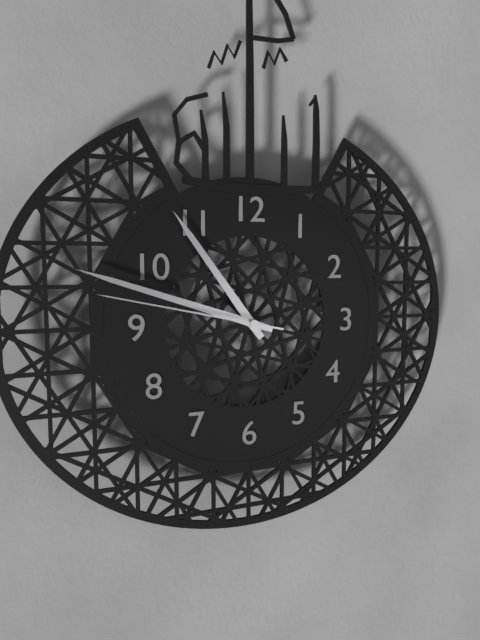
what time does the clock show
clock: 10:48:47
